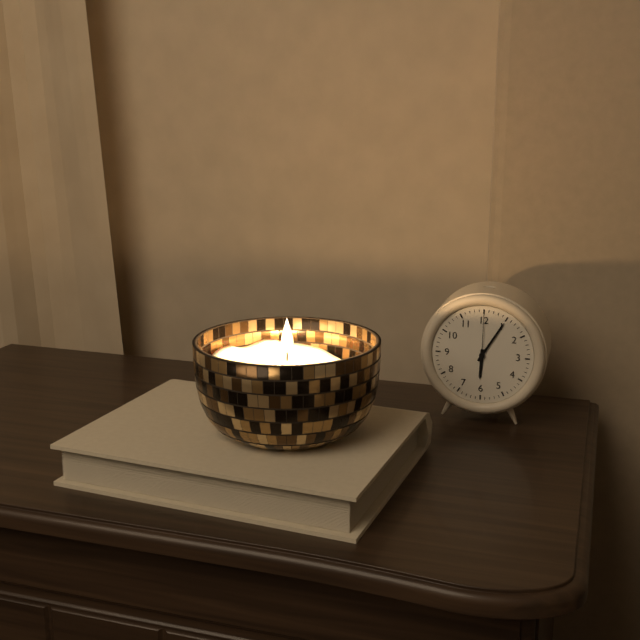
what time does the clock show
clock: 6:05:00
